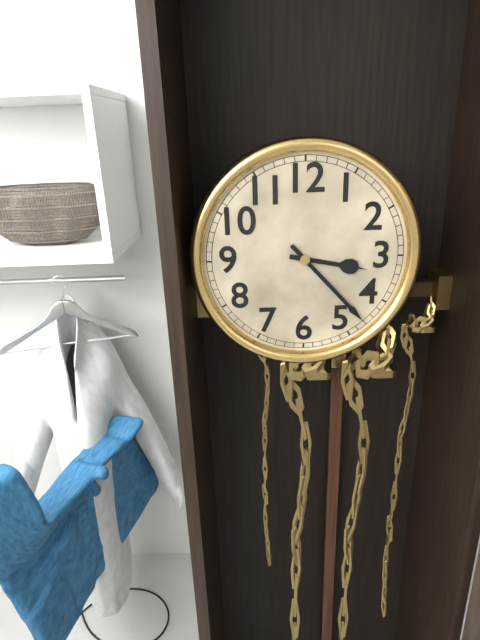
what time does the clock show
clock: 3:23
